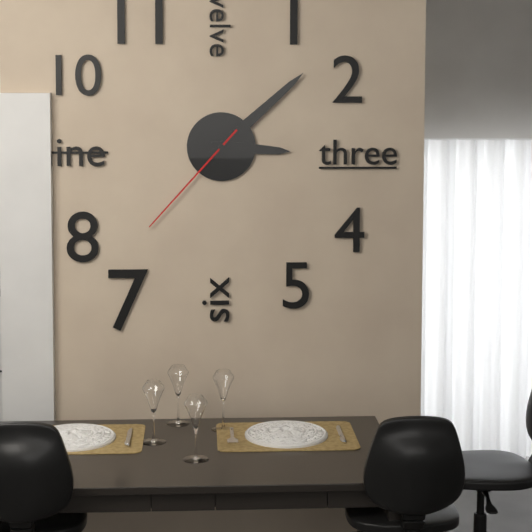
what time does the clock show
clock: 3:08:37
